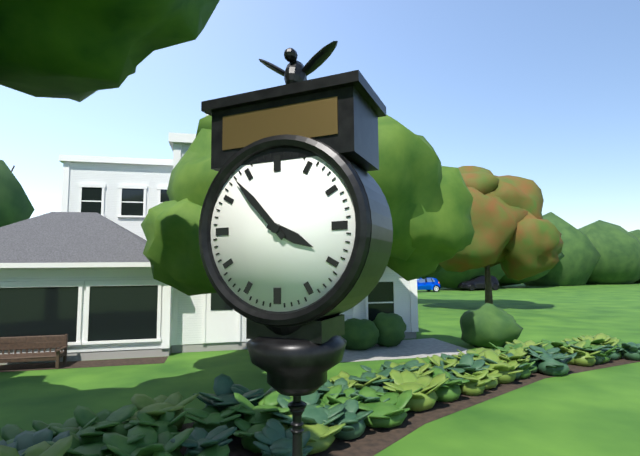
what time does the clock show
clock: 3:53
